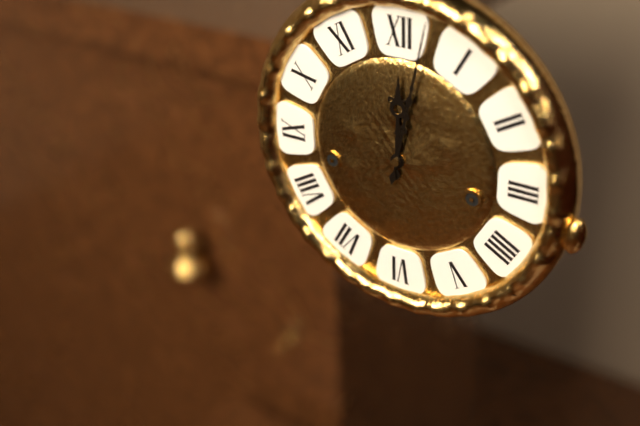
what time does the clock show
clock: 12:02
